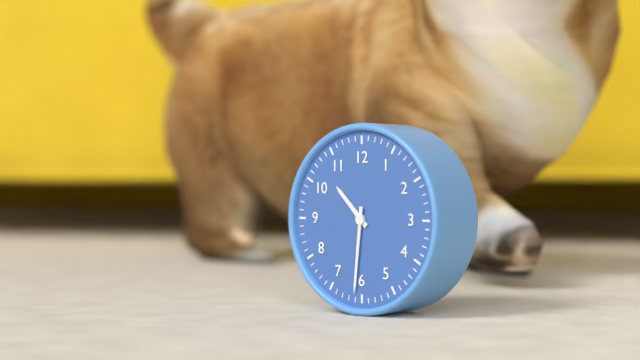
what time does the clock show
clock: 10:31
